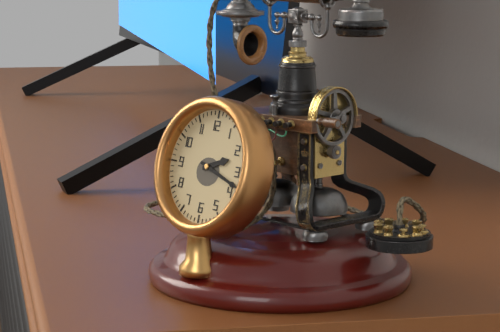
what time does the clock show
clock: 2:18
